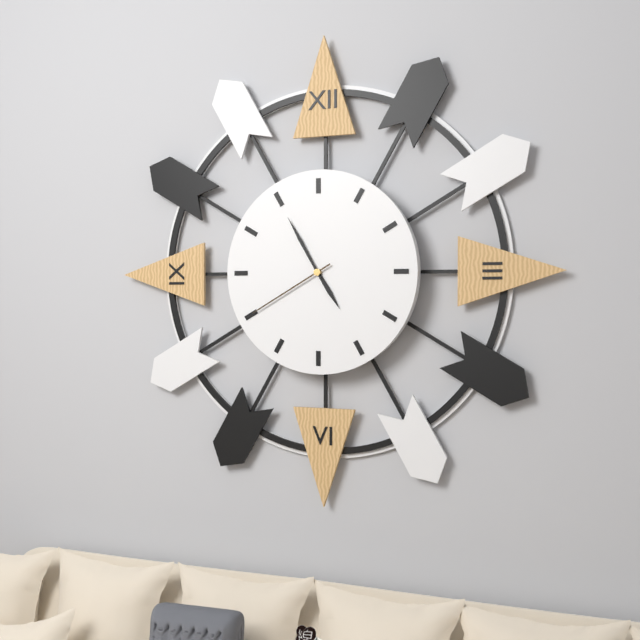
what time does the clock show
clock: 4:55:40
